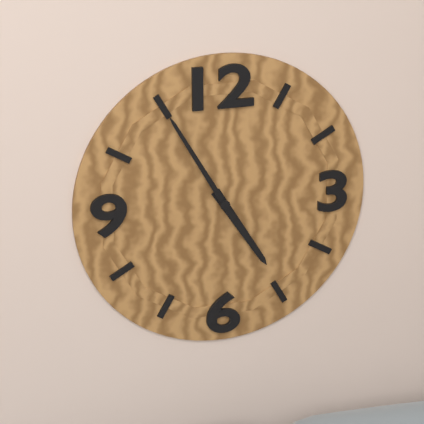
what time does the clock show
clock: 4:55
